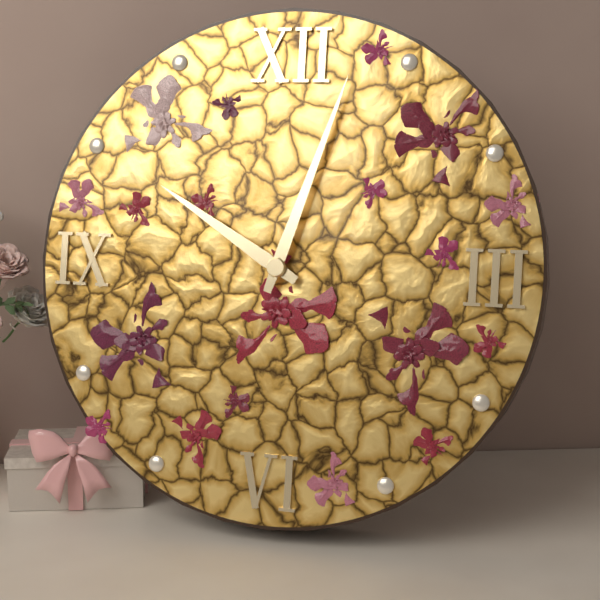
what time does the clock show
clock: 10:03
